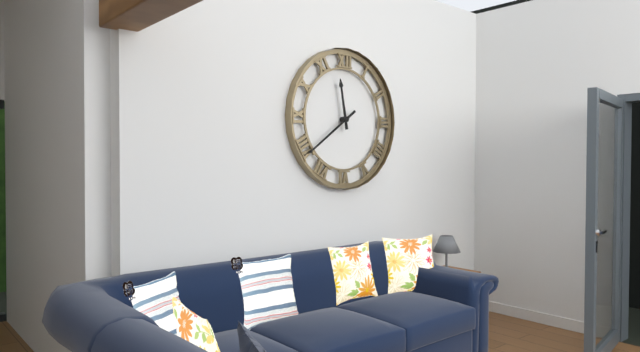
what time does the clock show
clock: 11:39
